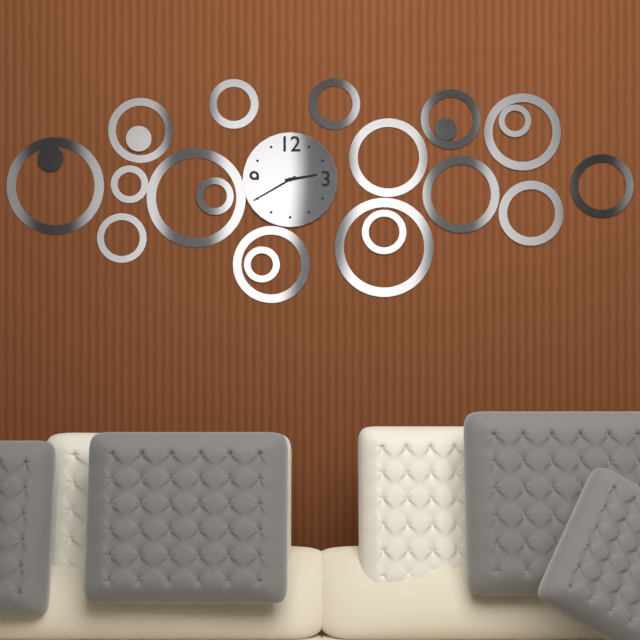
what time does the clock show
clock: 2:40
